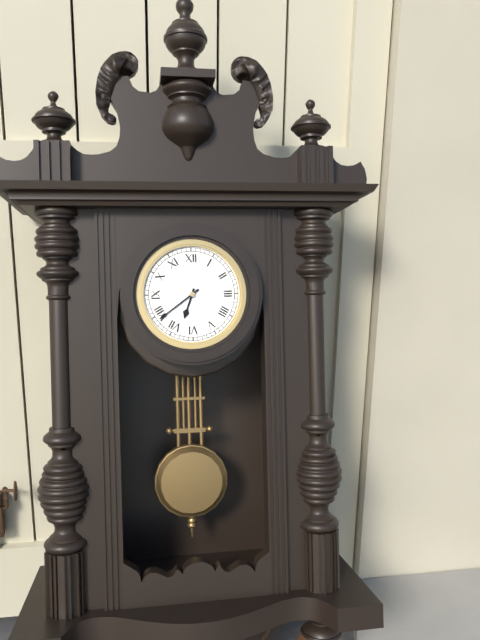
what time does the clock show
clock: 6:39
